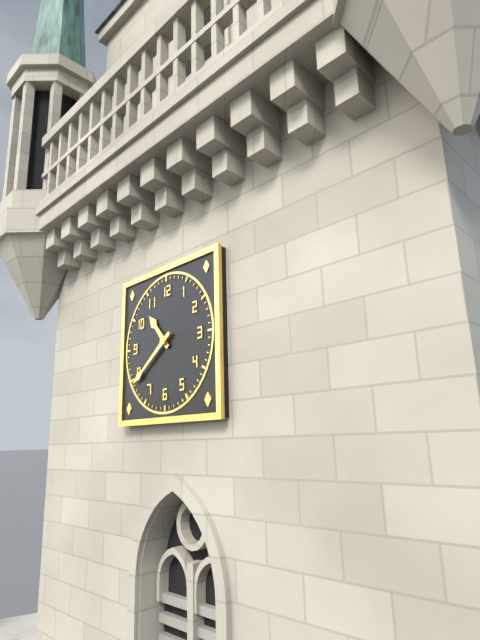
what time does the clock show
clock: 10:39
